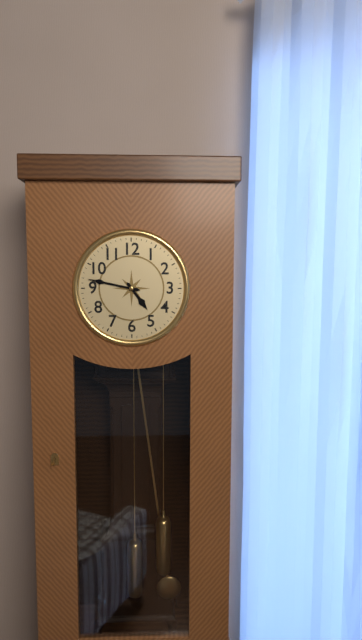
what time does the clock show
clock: 4:47
